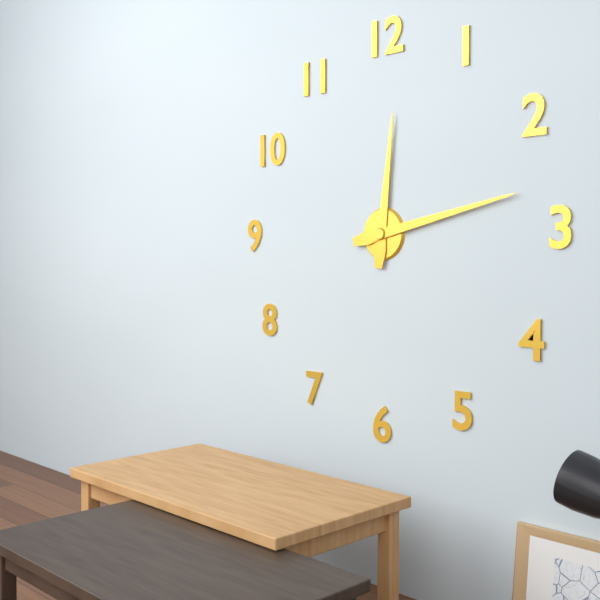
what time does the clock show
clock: 12:13
